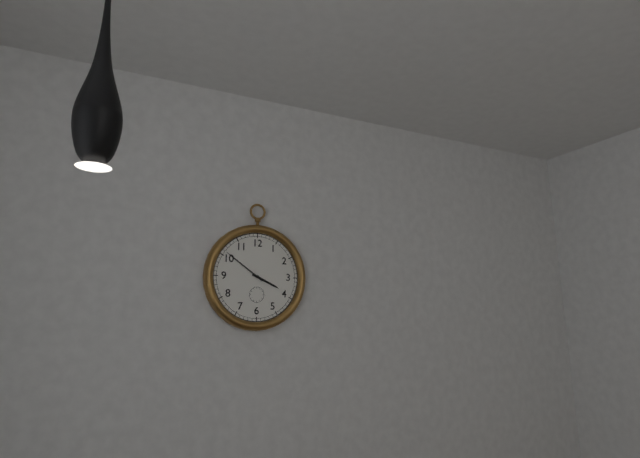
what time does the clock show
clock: 3:51
